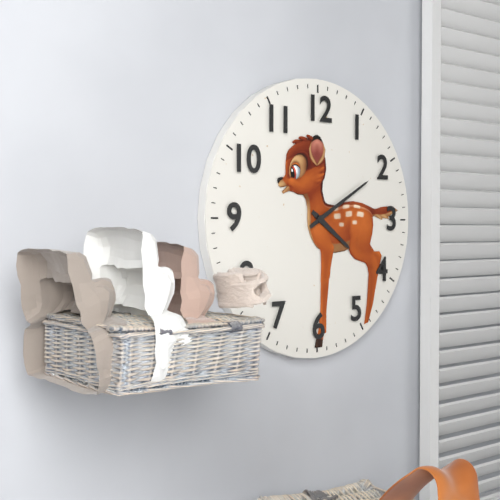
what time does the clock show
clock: 4:10
